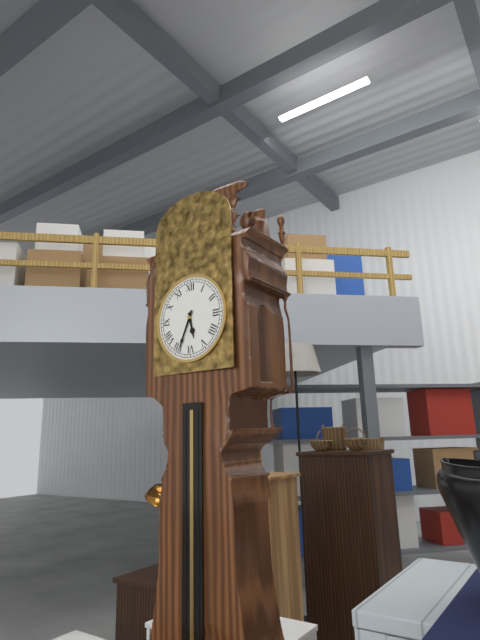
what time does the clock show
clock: 5:34
